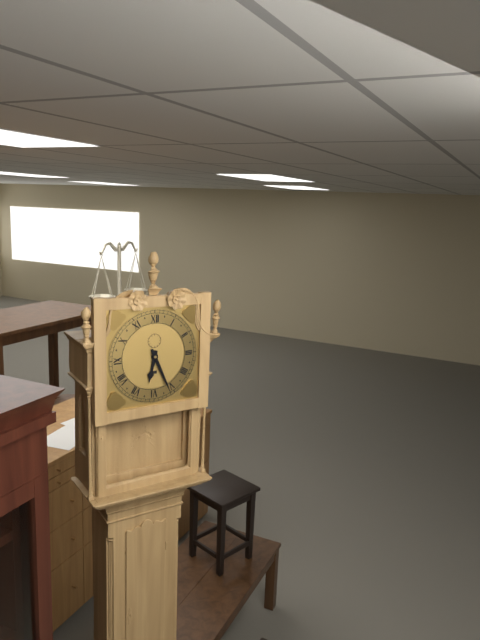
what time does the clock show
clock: 6:26
